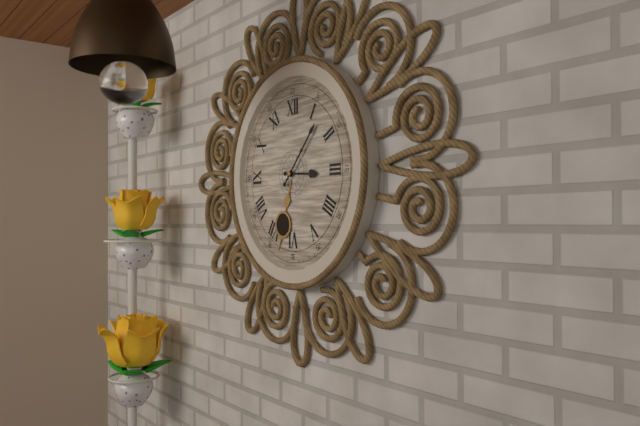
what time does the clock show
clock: 3:07
